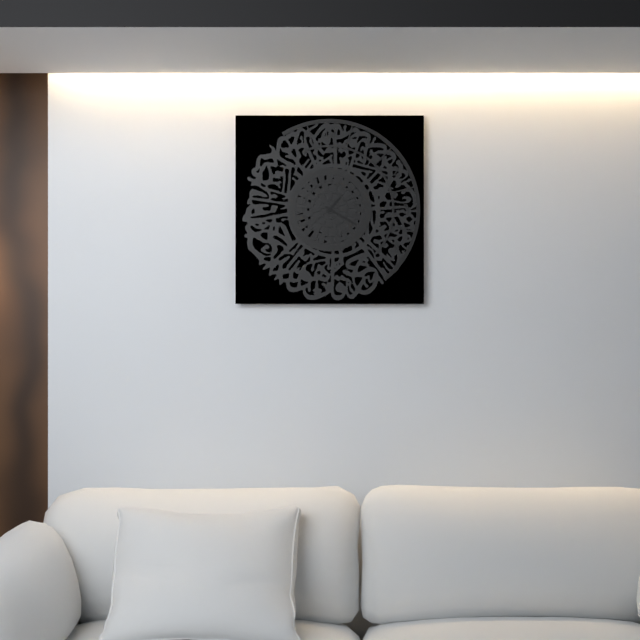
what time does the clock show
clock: 1:20
